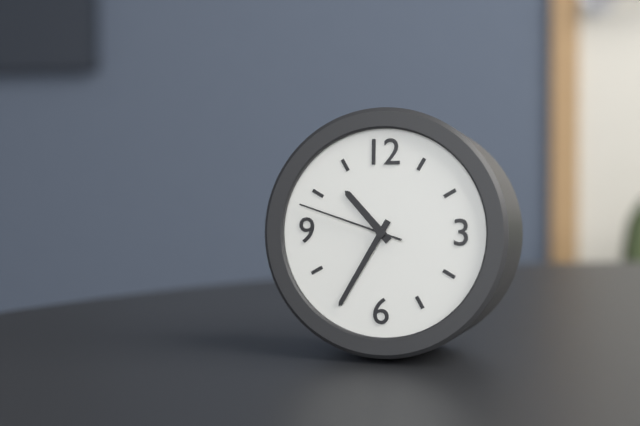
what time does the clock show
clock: 10:35:48
